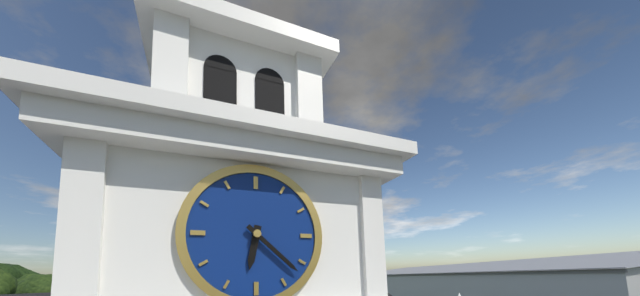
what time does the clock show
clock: 6:22
